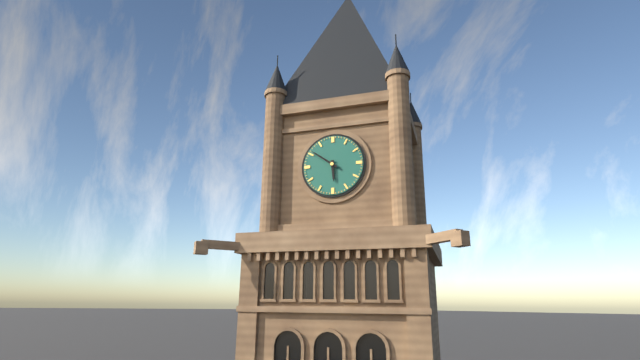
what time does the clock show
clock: 5:51
